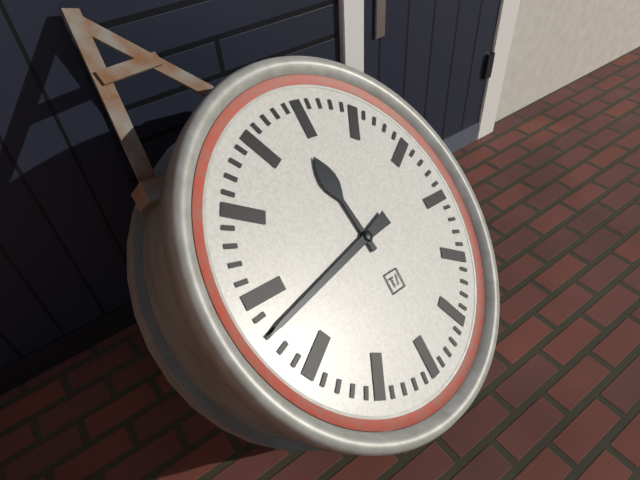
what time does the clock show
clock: 11:43
